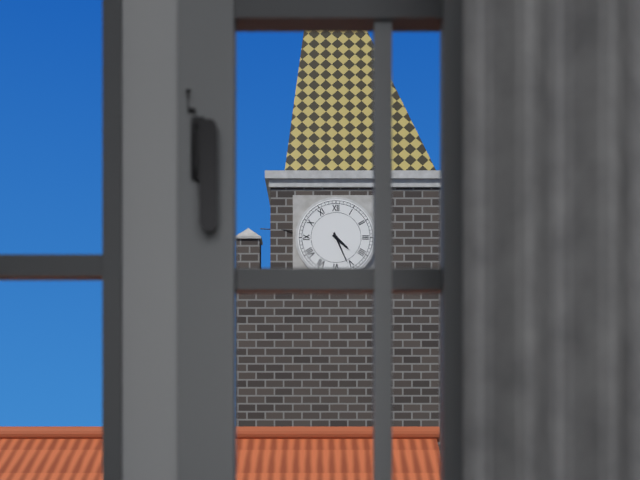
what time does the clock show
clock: 4:26
